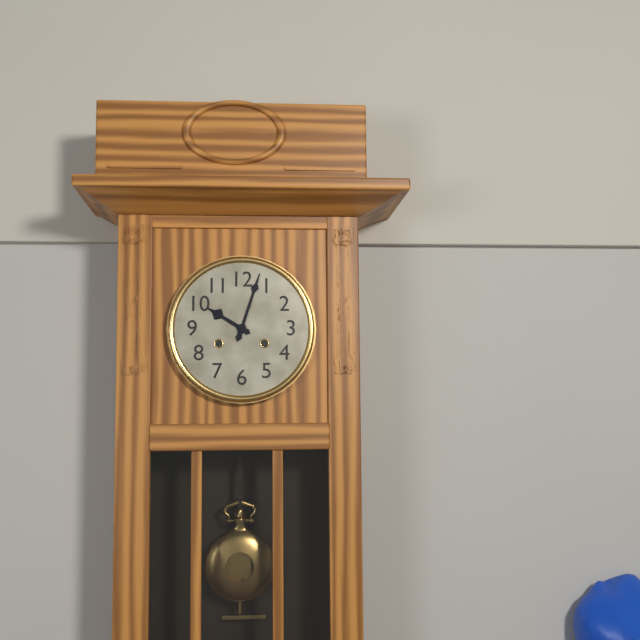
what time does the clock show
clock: 10:03
